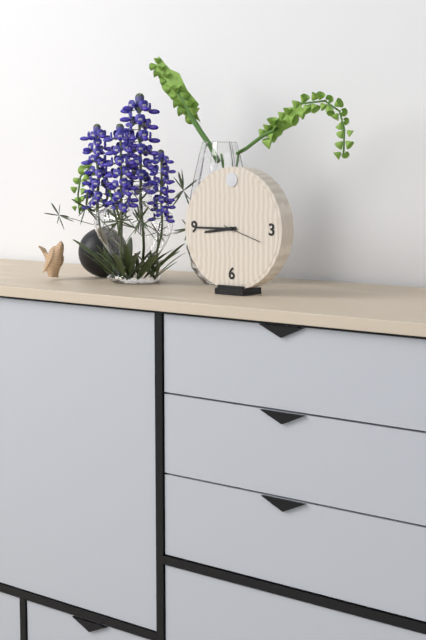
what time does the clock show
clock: 8:45
